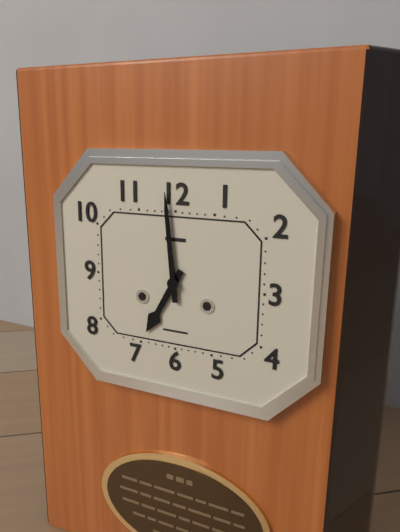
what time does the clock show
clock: 6:59
